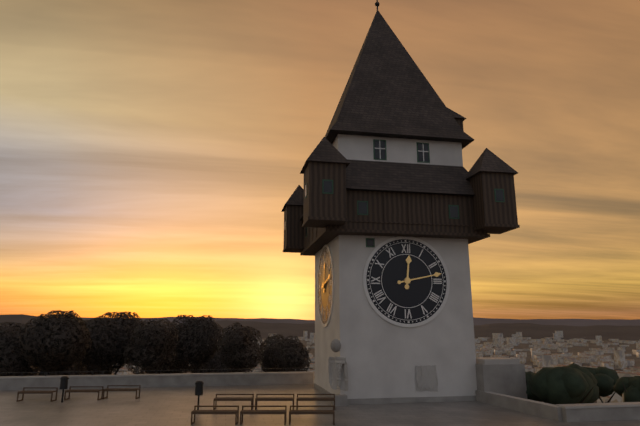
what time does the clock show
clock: 12:13
